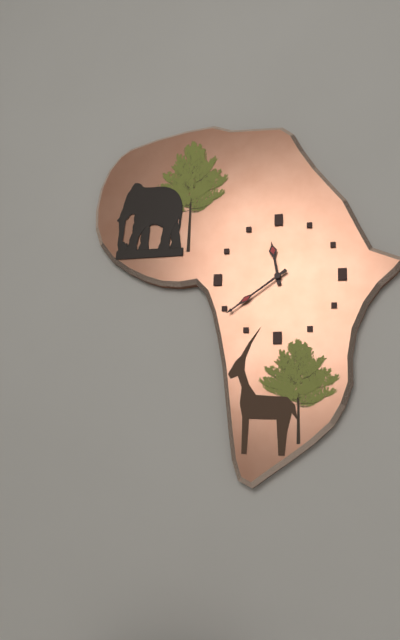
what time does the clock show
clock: 11:39
